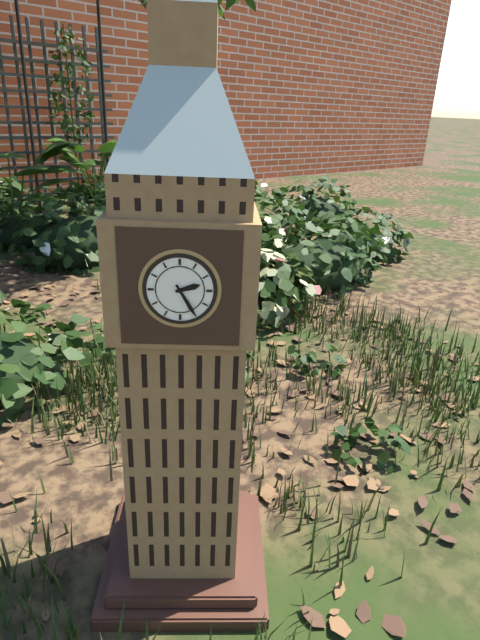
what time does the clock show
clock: 2:25
